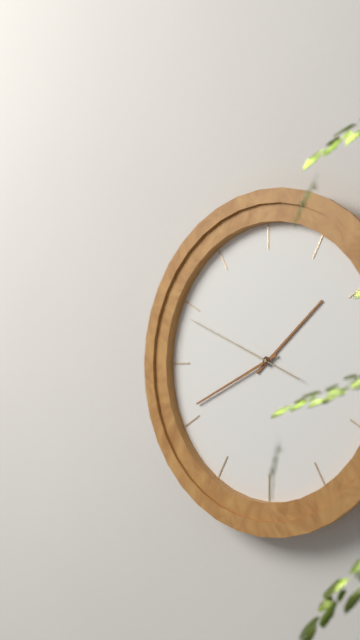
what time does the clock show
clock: 1:41:49
